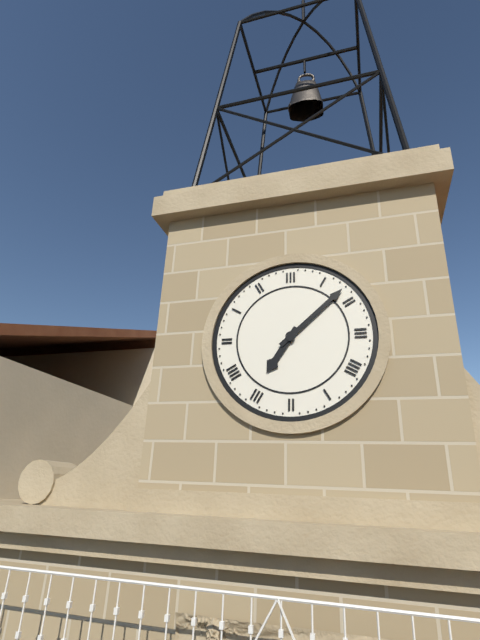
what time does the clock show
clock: 7:08
